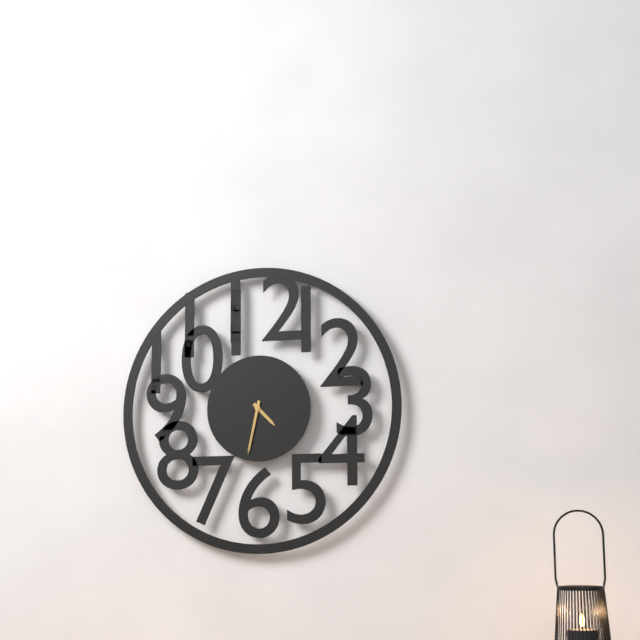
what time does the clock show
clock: 4:32
